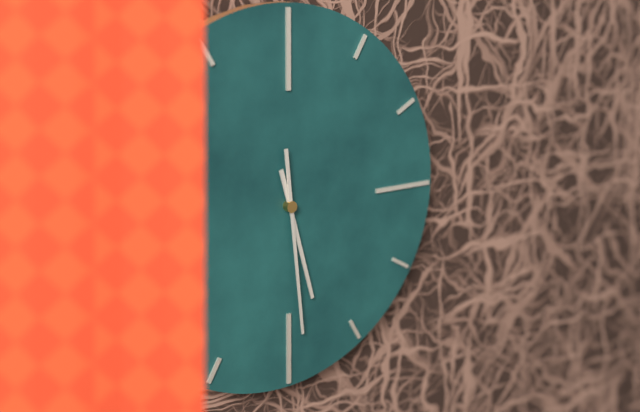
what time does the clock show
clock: 5:29
